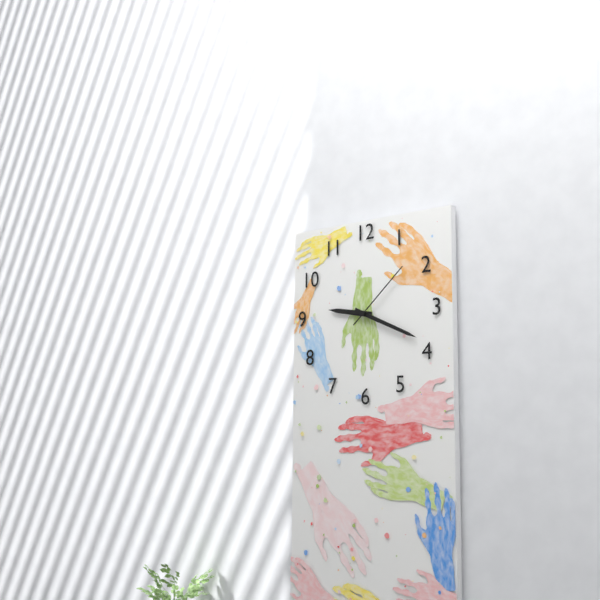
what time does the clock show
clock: 9:19:08
